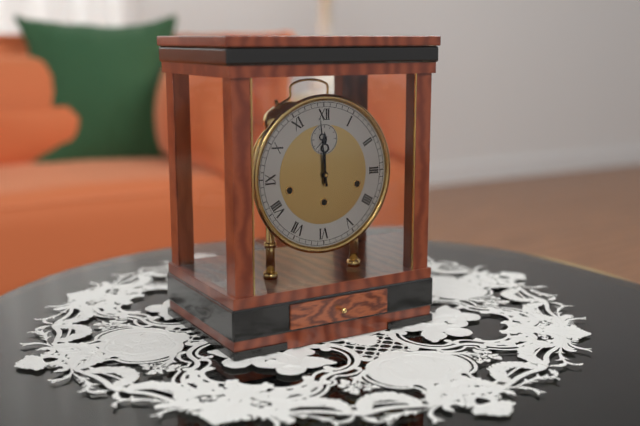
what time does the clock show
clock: 11:59
